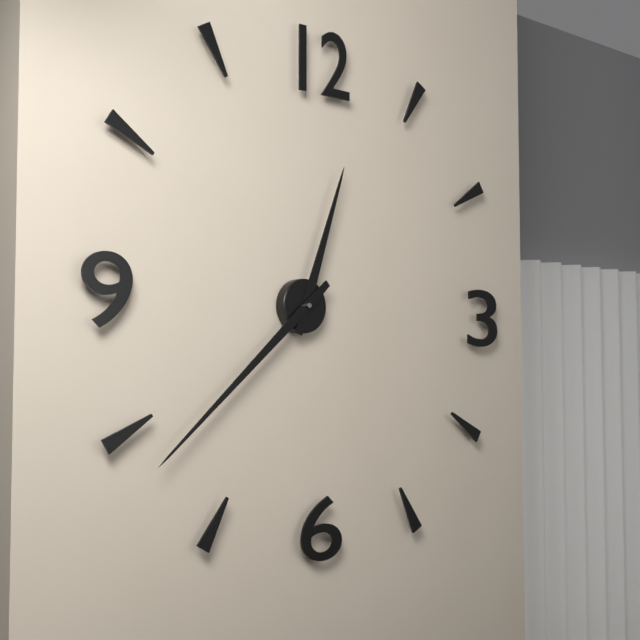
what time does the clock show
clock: 12:38
